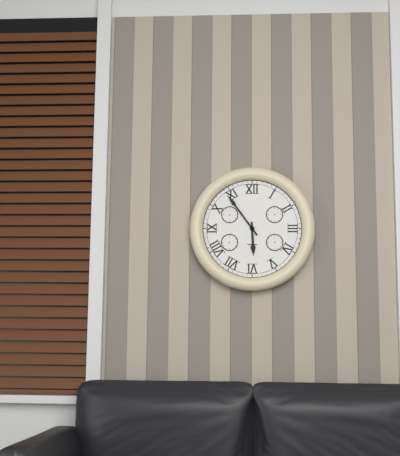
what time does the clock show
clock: 5:54
